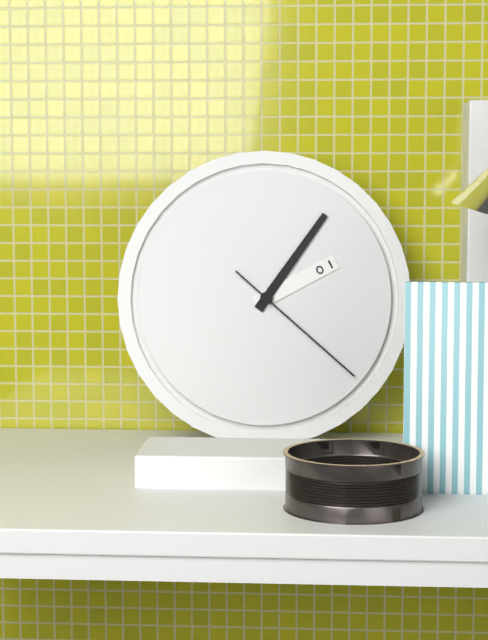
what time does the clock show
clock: 2:06:22
